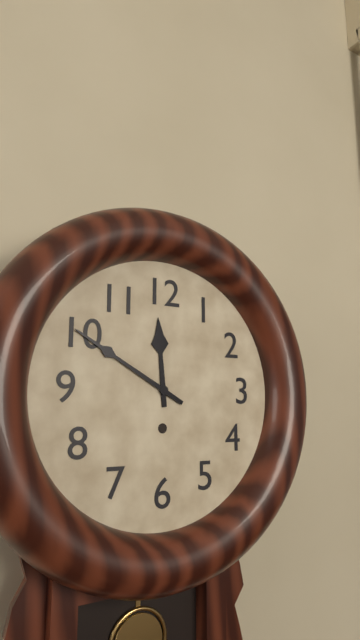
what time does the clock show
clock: 11:50
